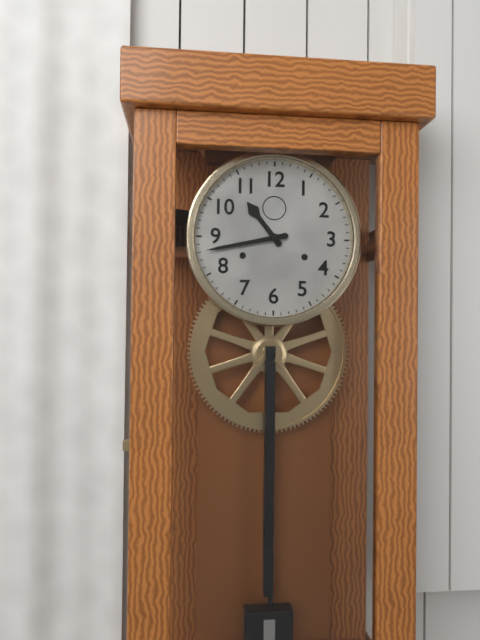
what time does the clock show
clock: 10:43
